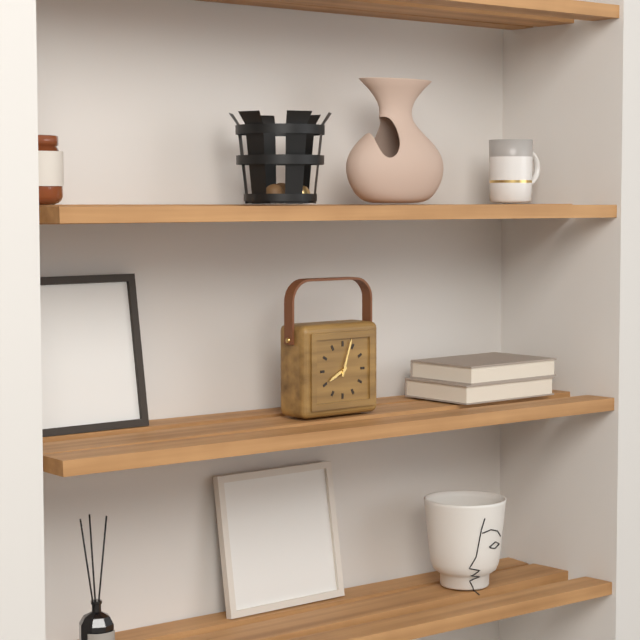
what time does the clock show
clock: 8:03
